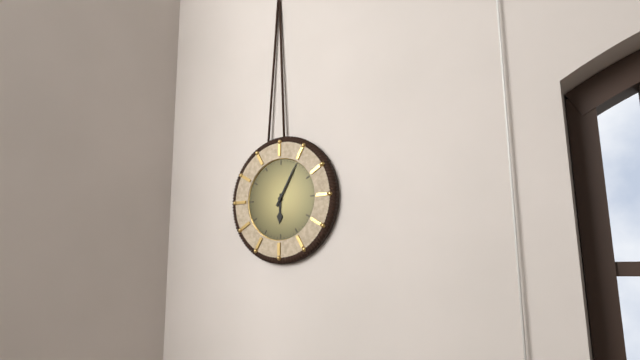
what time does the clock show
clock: 6:05
